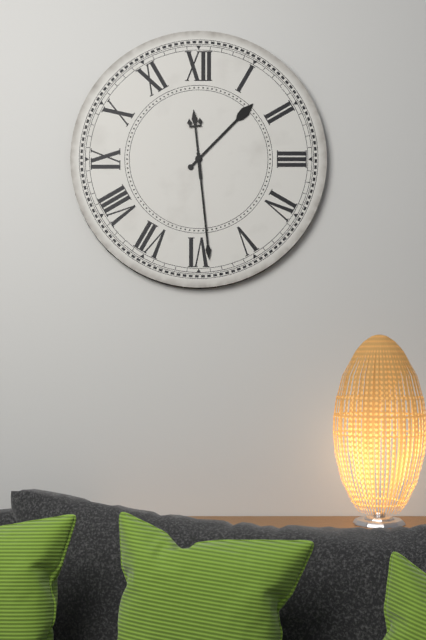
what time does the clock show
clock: 1:29
